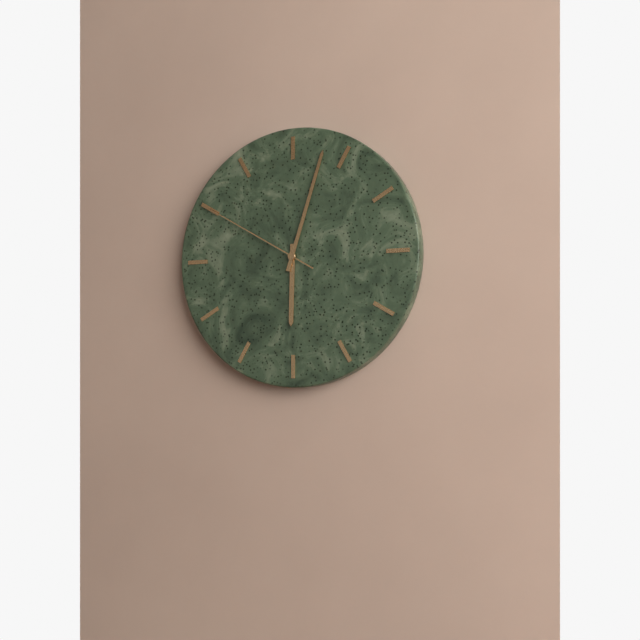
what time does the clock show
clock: 6:03:50
